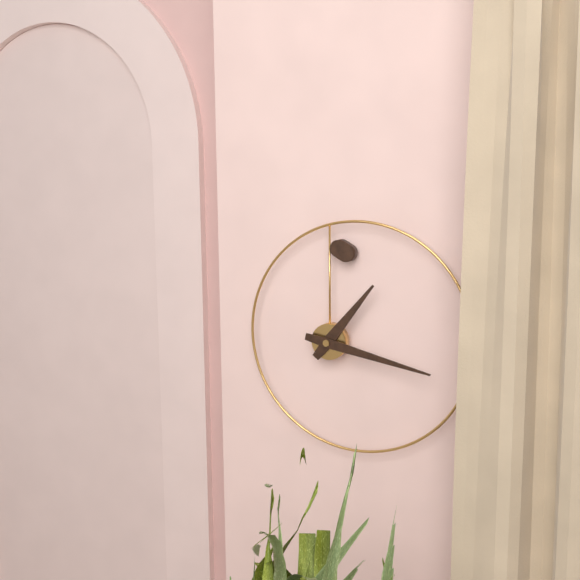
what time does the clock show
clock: 1:17
